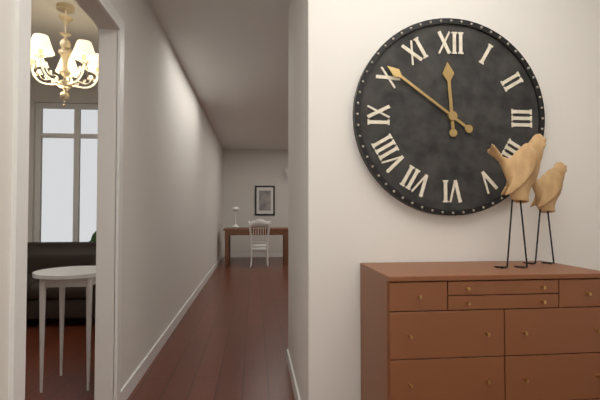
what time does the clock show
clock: 11:51
